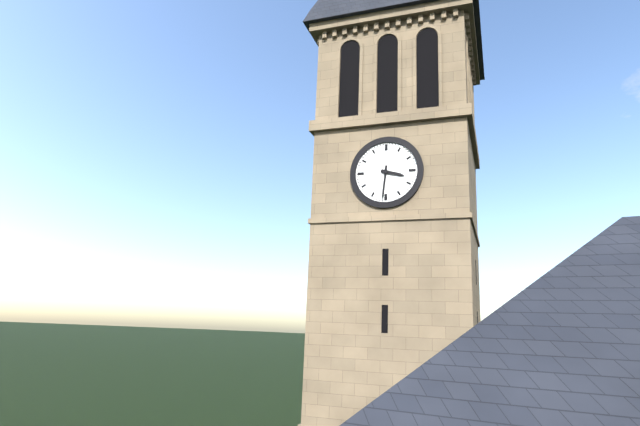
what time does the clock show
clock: 3:31
